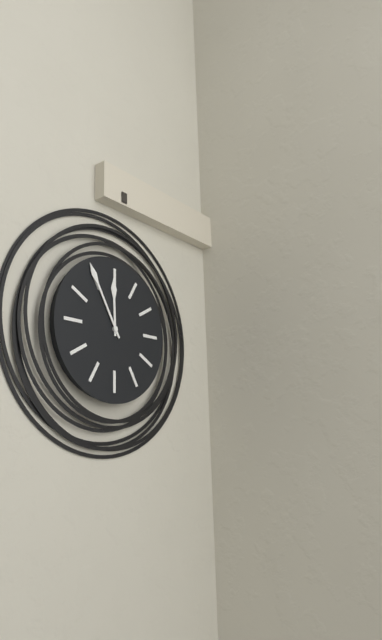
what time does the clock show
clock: 11:55
